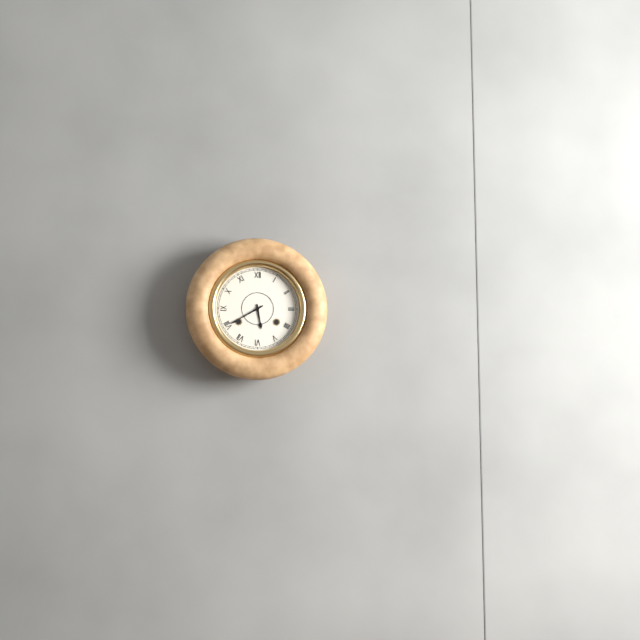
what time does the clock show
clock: 5:40
